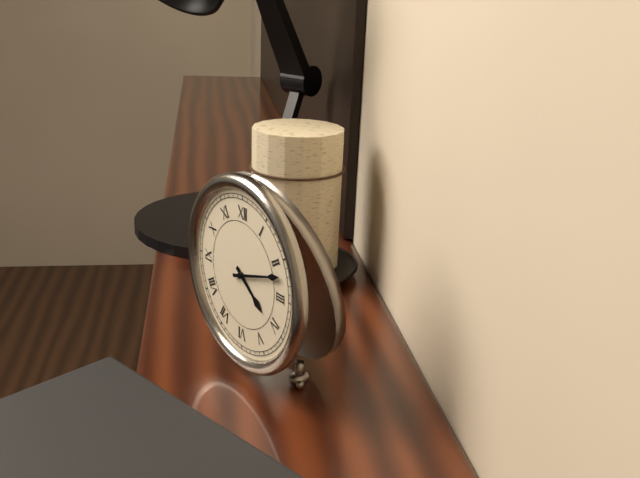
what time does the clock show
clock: 4:12
